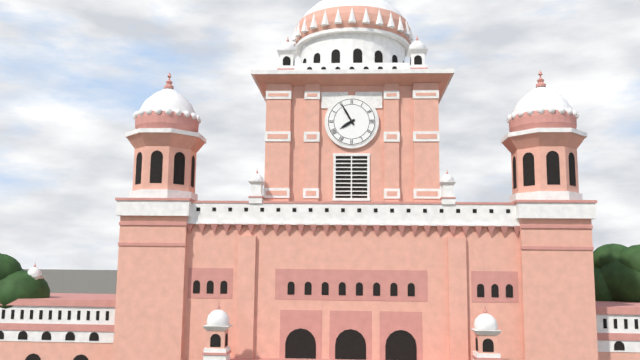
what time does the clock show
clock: 7:55
